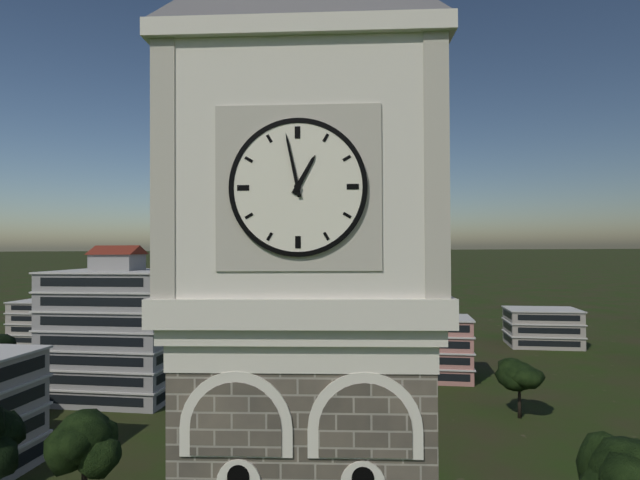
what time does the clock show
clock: 12:58
